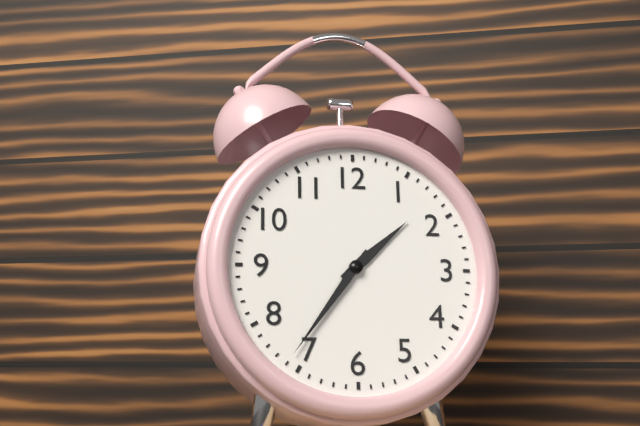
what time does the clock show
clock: 1:36
